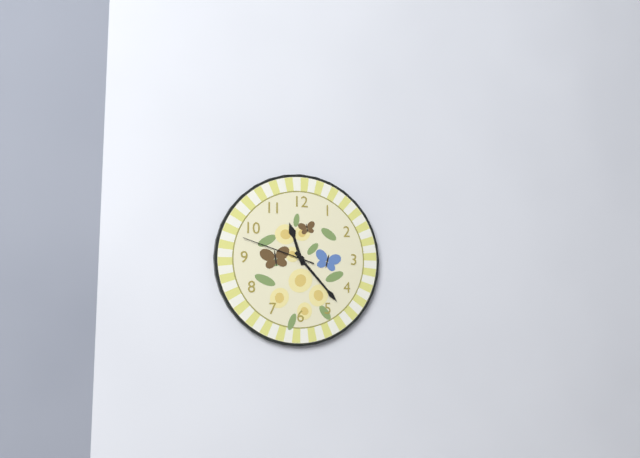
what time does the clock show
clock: 11:23:48
